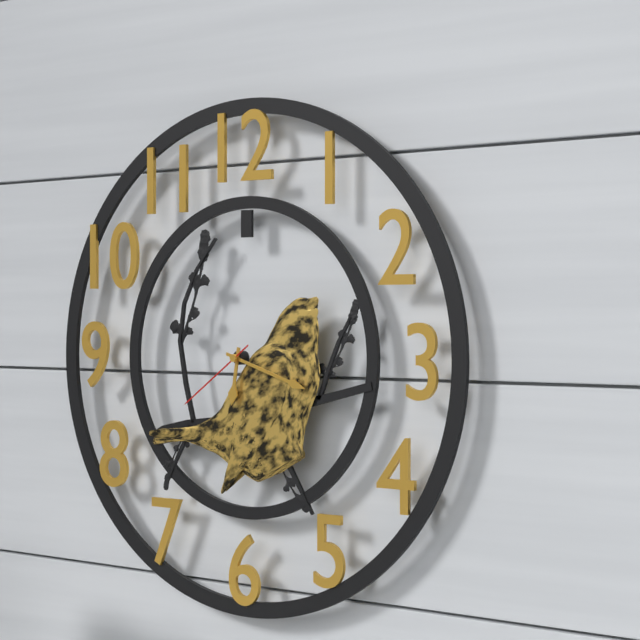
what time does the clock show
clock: 6:18:39
